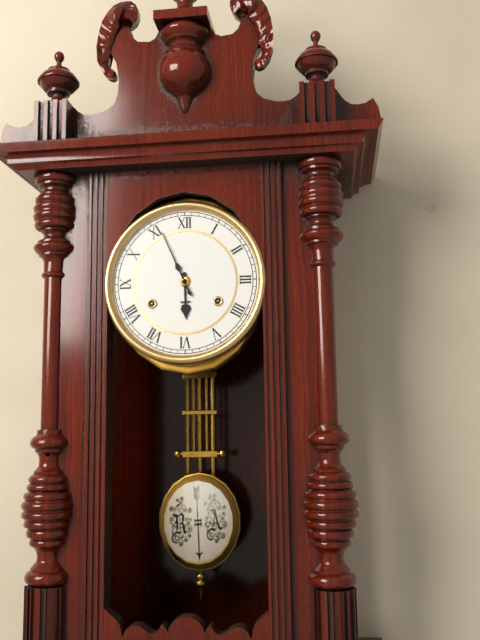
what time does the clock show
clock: 5:56
